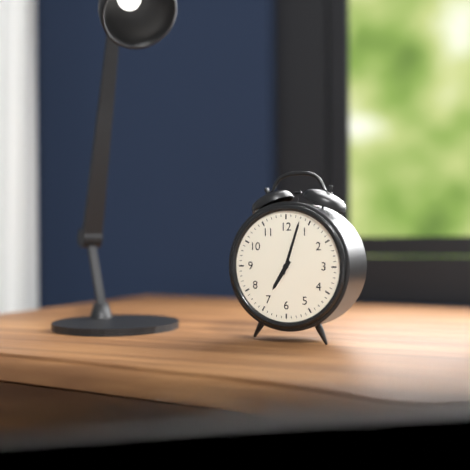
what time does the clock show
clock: 7:03
